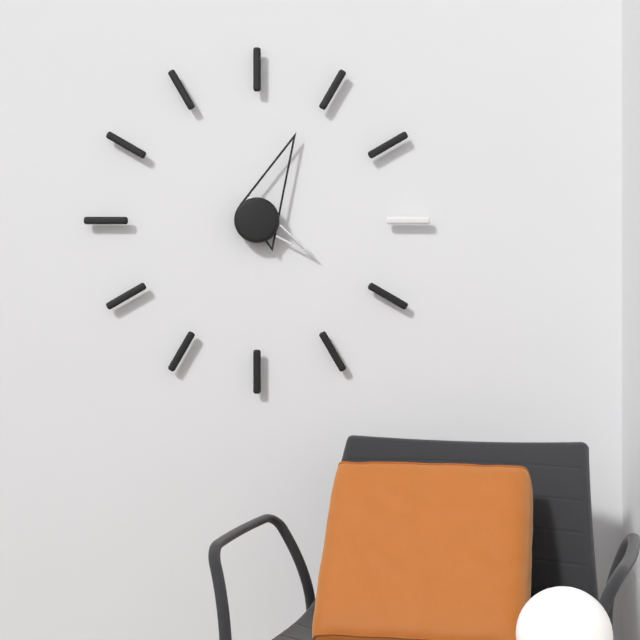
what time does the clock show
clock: 4:04
